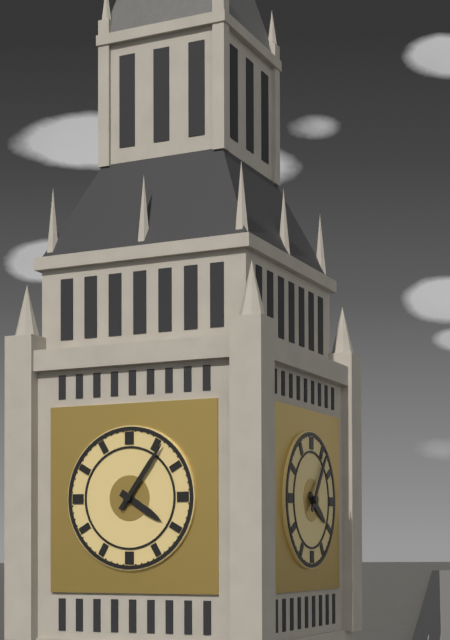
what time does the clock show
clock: 4:06
